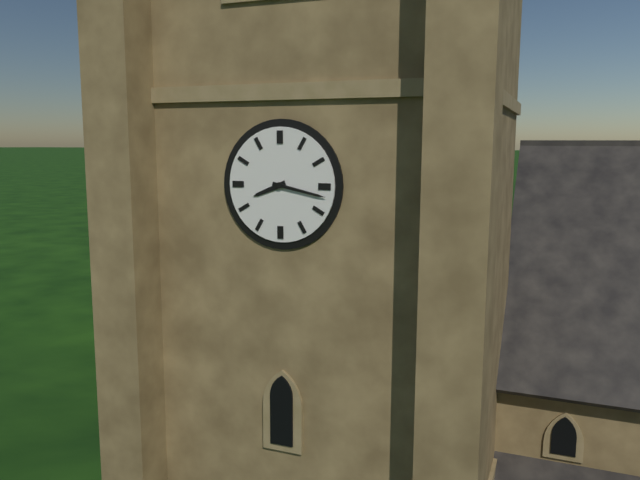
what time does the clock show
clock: 8:17
